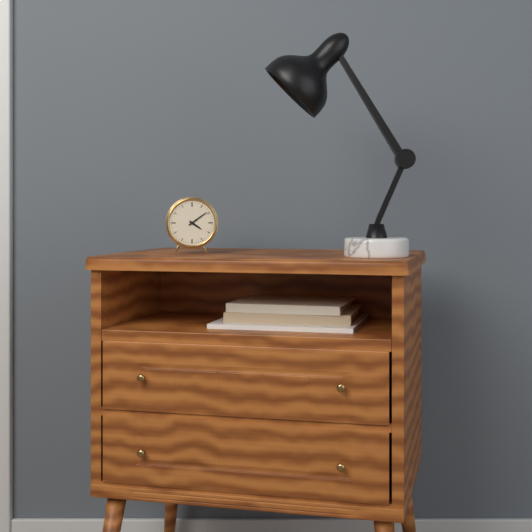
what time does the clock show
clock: 4:09
